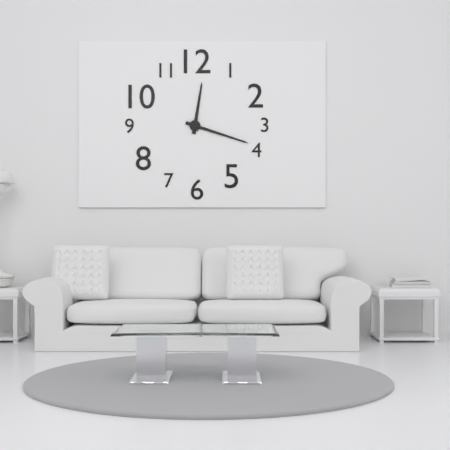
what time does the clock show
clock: 12:18
